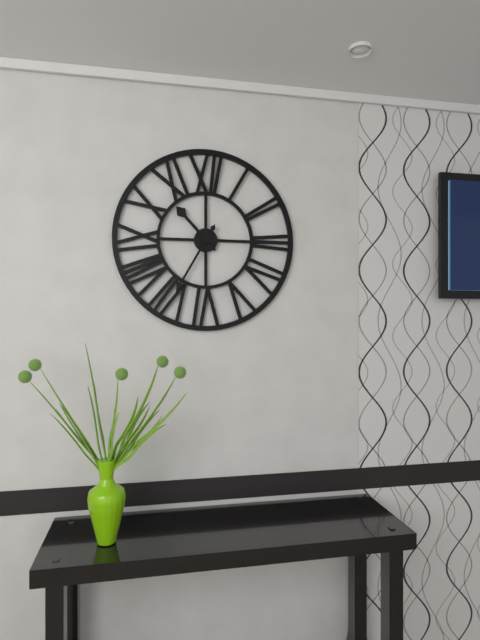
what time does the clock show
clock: 10:35
